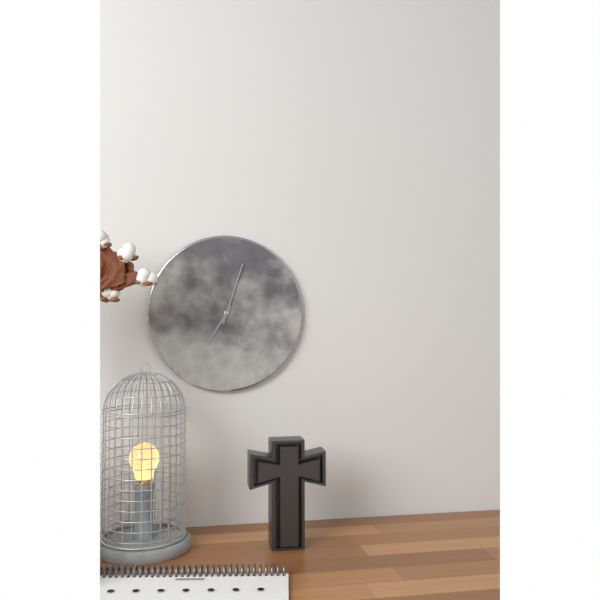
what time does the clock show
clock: 7:03
